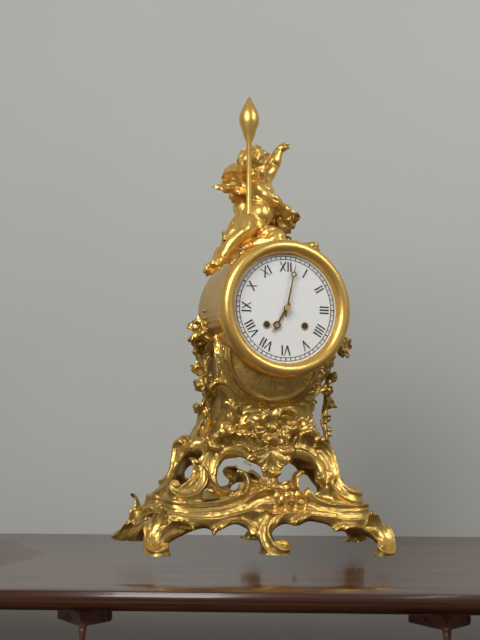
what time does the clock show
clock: 7:02
